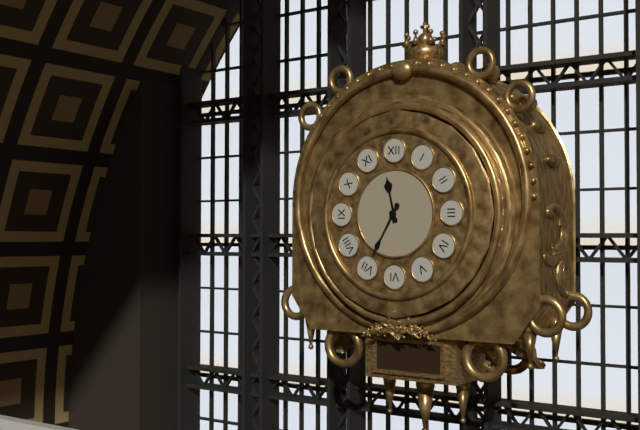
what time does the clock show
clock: 11:35
